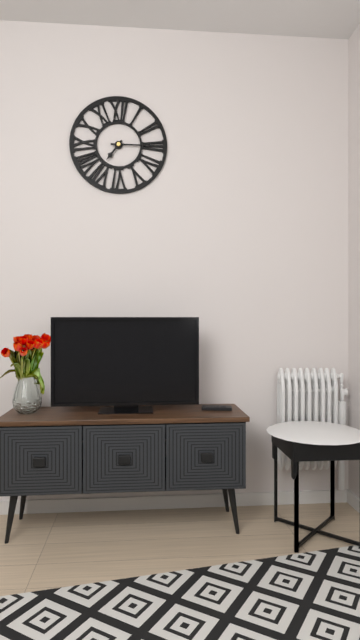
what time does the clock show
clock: 7:15
